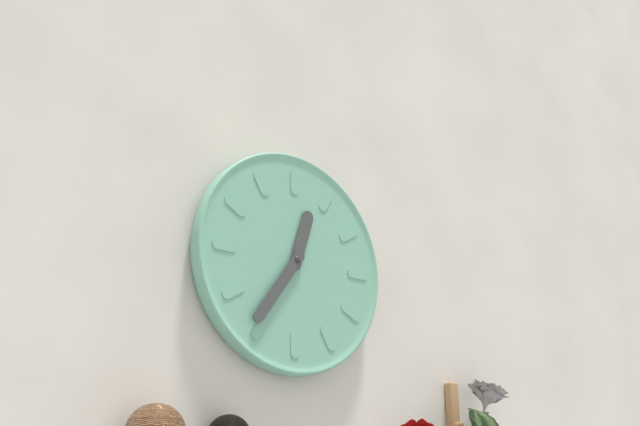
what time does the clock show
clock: 12:36
